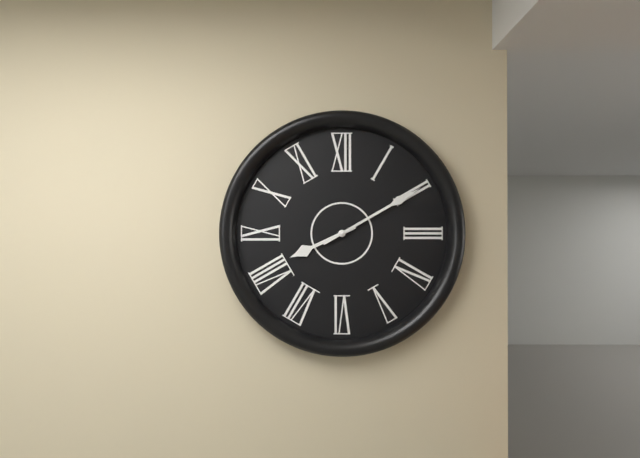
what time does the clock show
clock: 8:10
